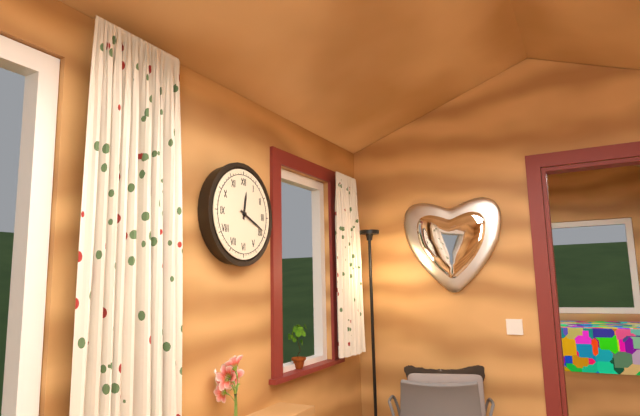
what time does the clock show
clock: 12:19
